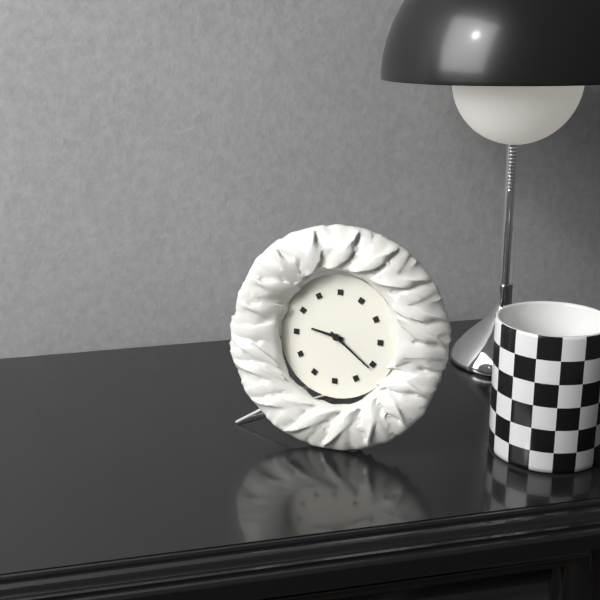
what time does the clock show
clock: 9:21
